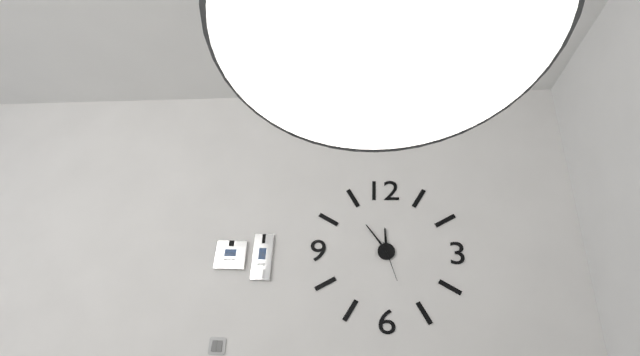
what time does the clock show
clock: 11:54
